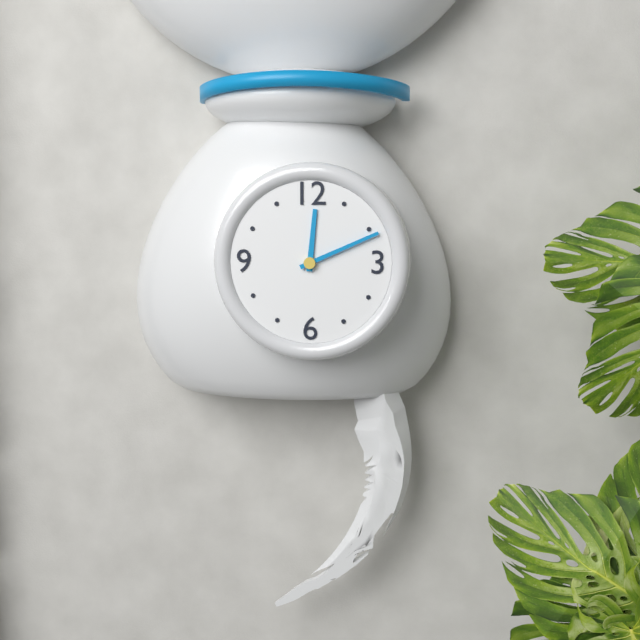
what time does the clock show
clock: 12:11
